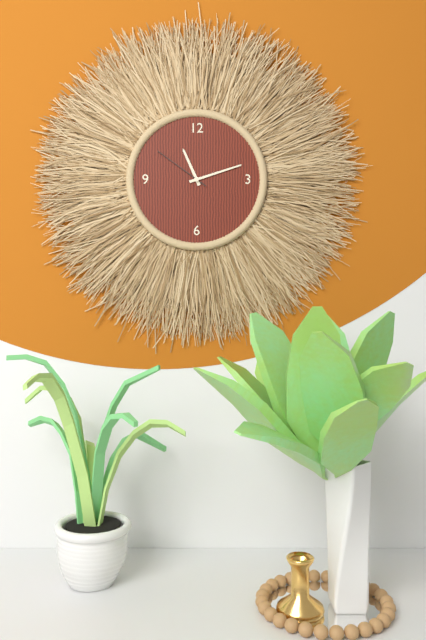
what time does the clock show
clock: 11:12:51
